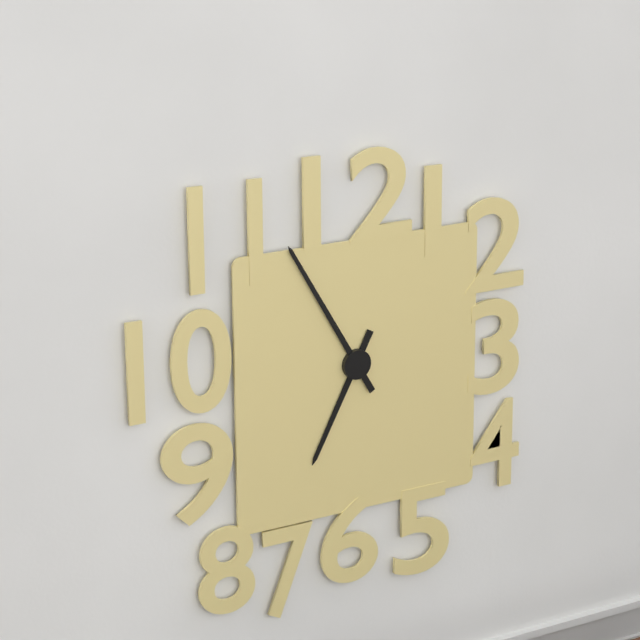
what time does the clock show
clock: 6:55
